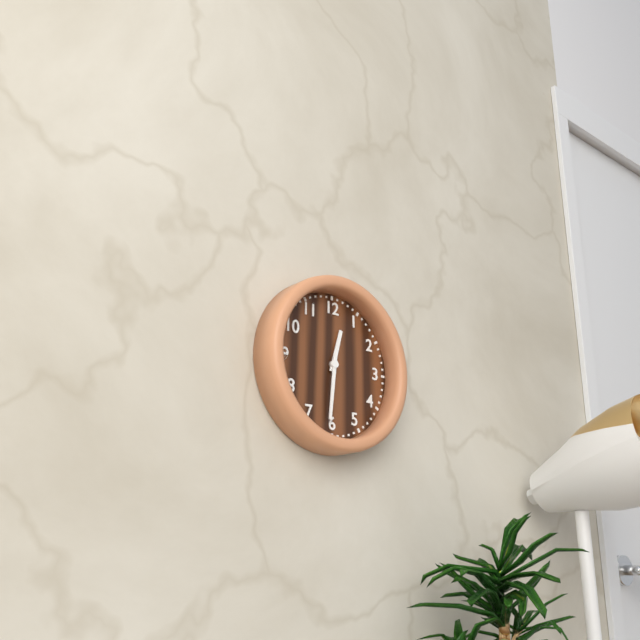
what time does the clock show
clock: 12:31
